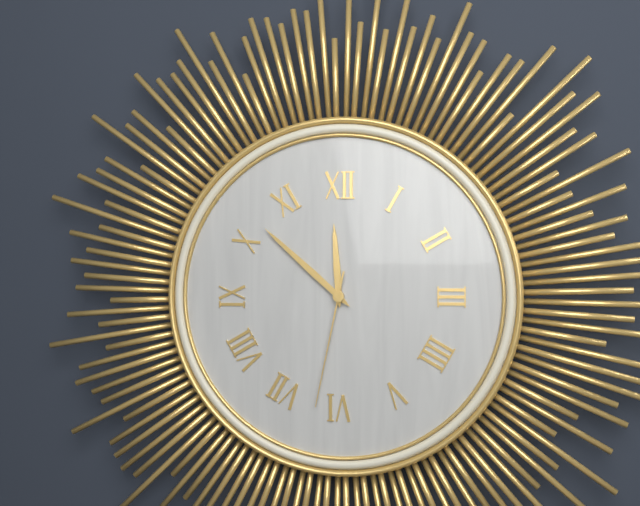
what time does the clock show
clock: 11:52:32
